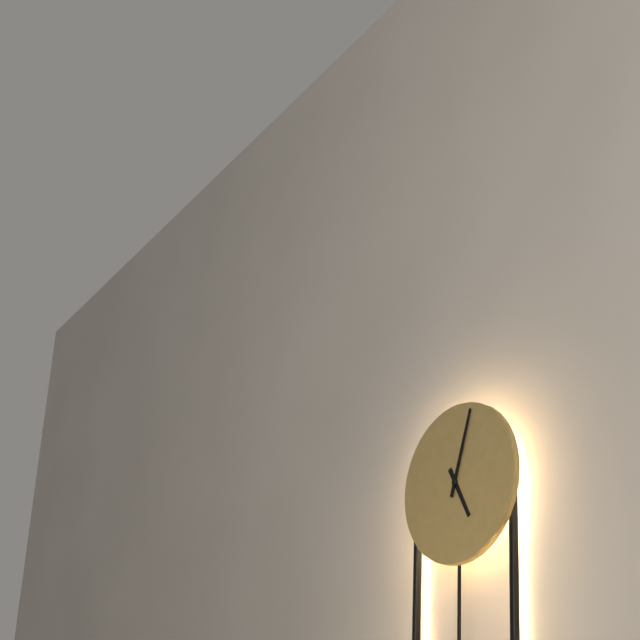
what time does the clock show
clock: 5:03
